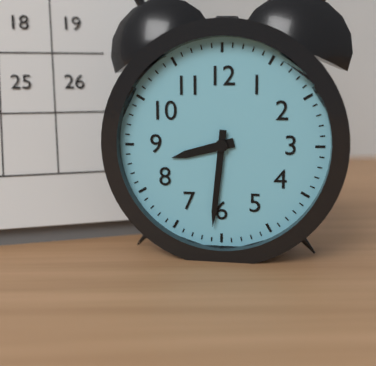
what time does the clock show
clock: 8:31
